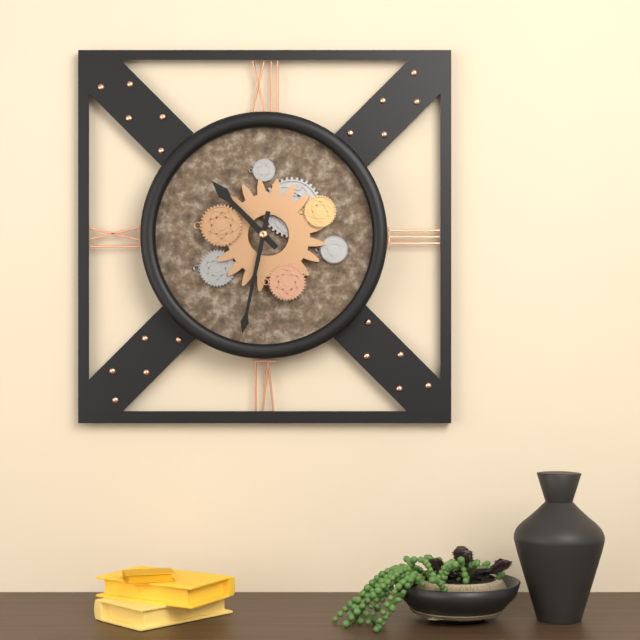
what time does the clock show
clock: 10:32
